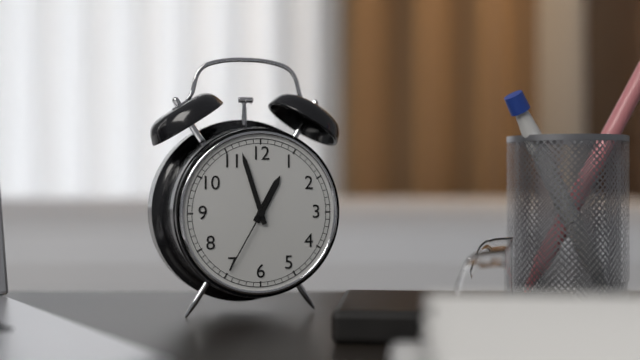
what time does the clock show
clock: 12:57:35
